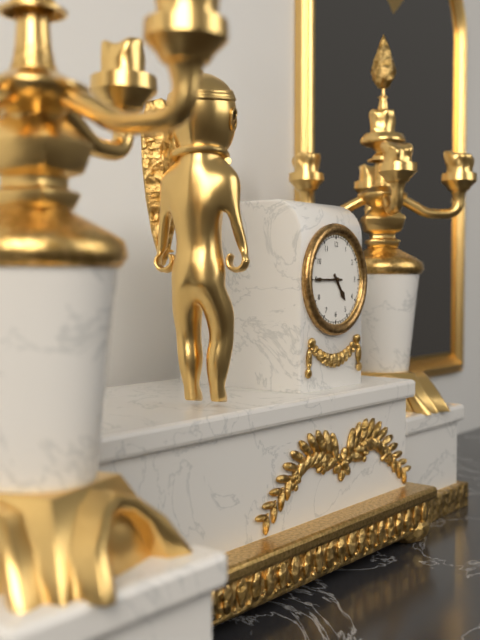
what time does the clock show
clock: 4:45
